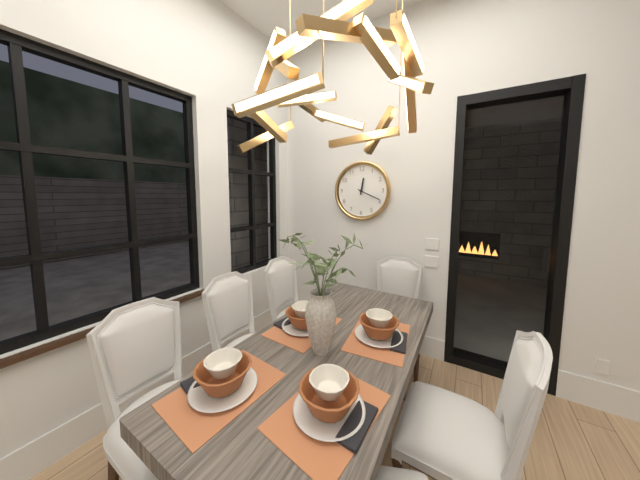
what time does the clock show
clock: 12:19
